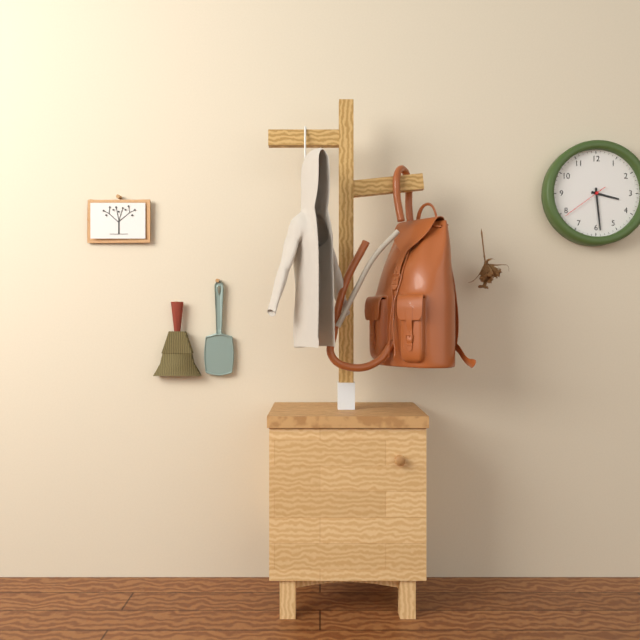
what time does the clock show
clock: 3:29
